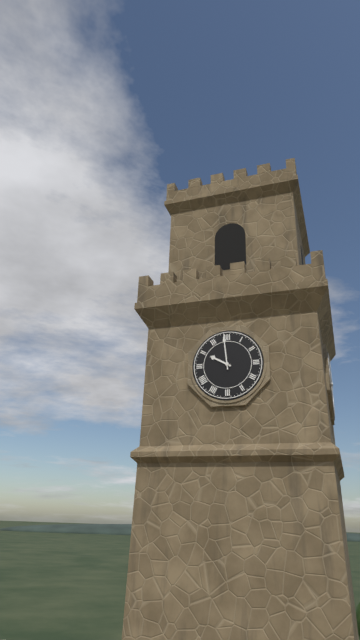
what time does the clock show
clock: 9:59
